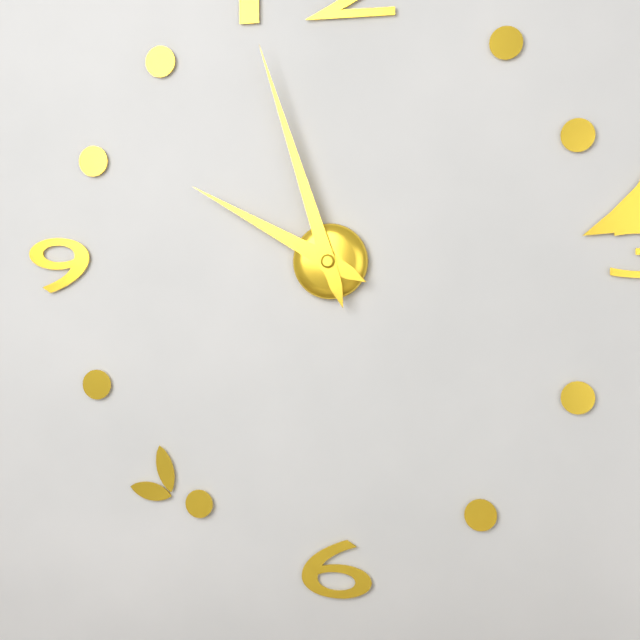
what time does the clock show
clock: 9:57
